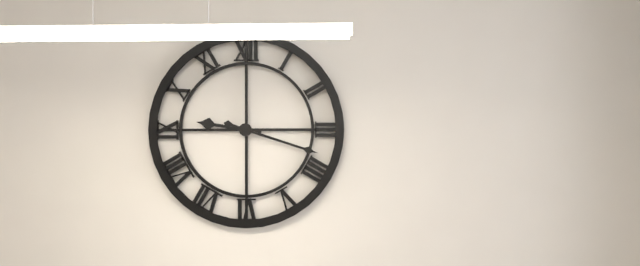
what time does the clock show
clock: 9:18
